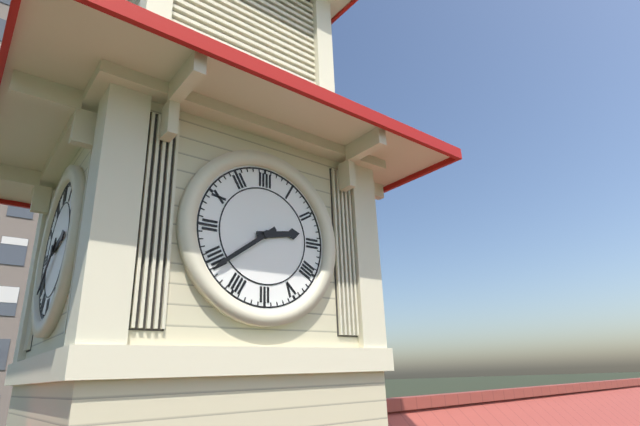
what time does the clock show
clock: 2:39
